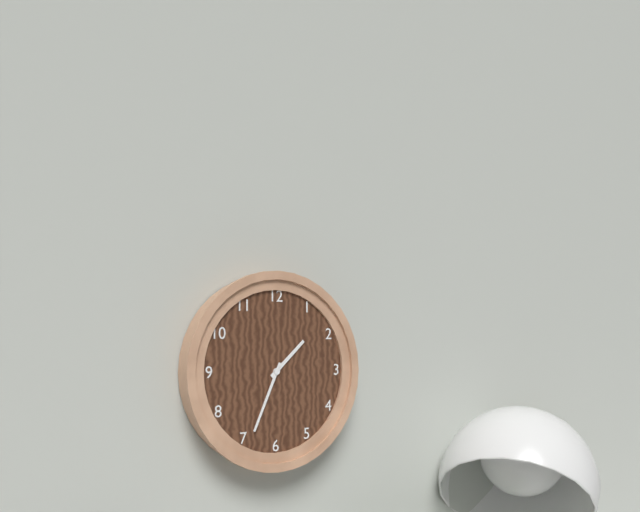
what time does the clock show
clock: 1:34
